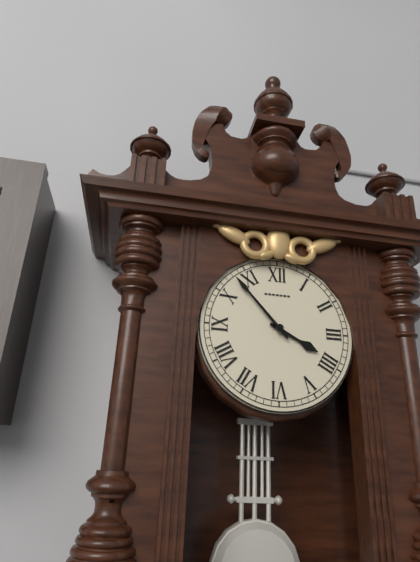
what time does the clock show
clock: 3:53
